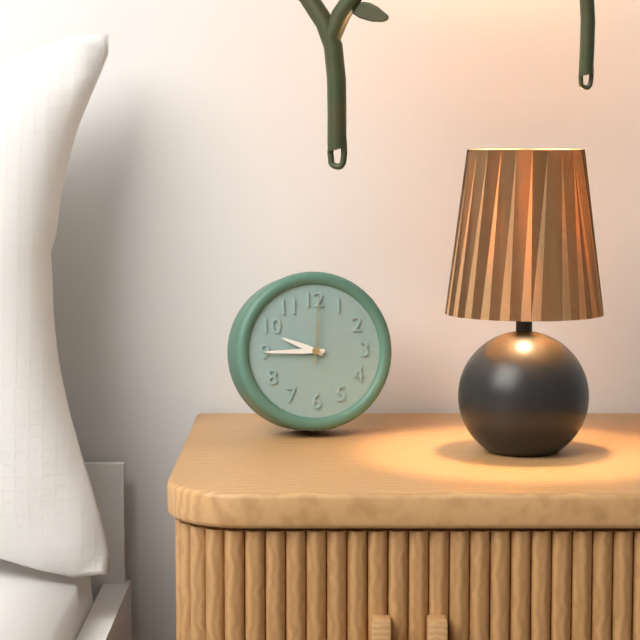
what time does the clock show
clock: 9:45:01
